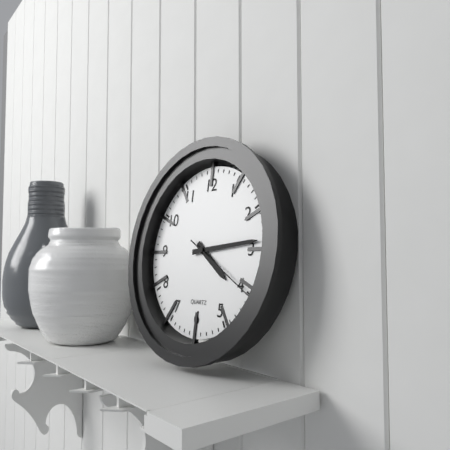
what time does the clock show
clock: 4:14:20
